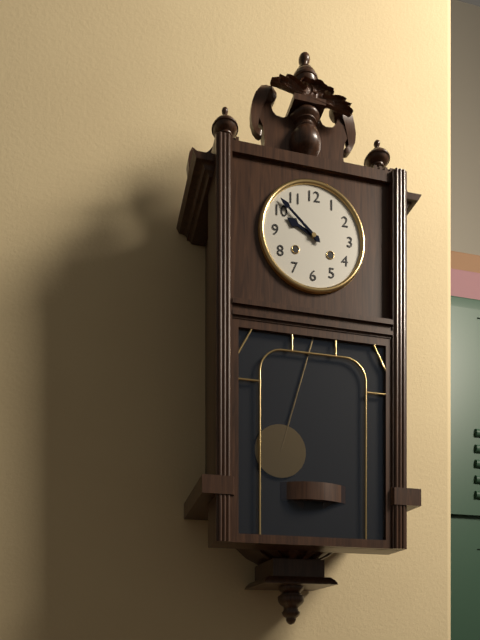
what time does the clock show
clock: 9:52
